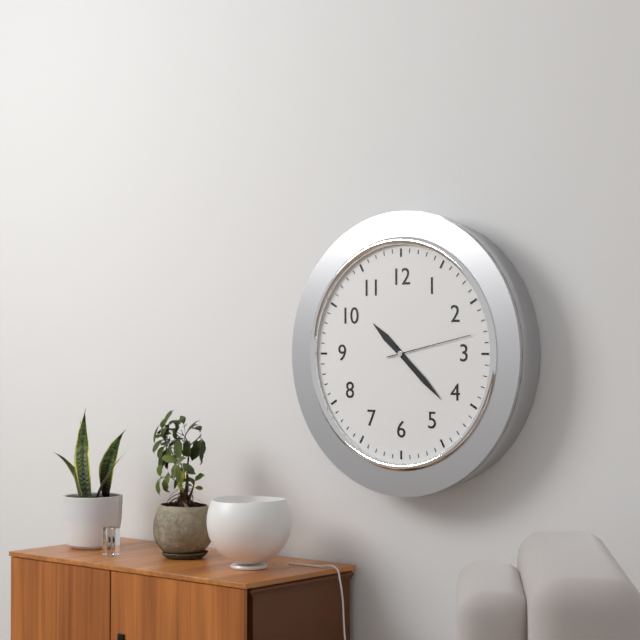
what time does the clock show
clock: 10:22:13
